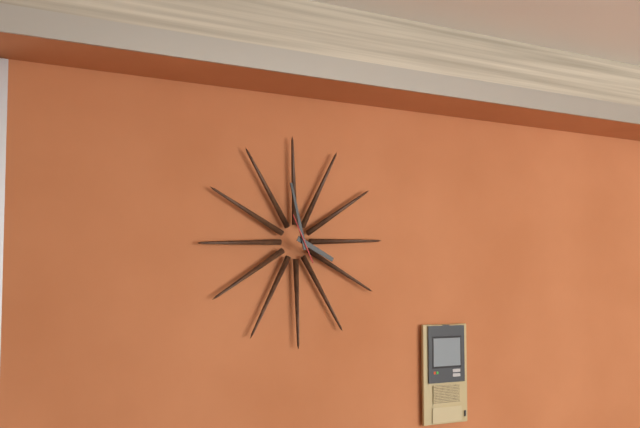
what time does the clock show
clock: 3:58
